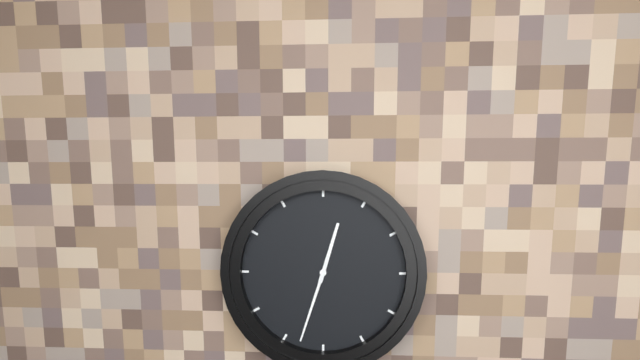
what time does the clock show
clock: 12:33
